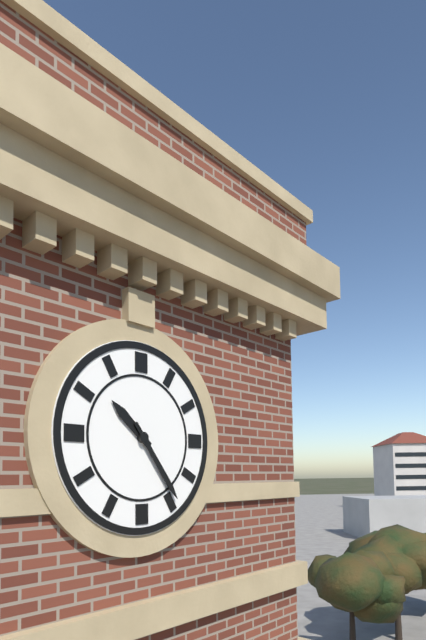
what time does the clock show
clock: 10:24
